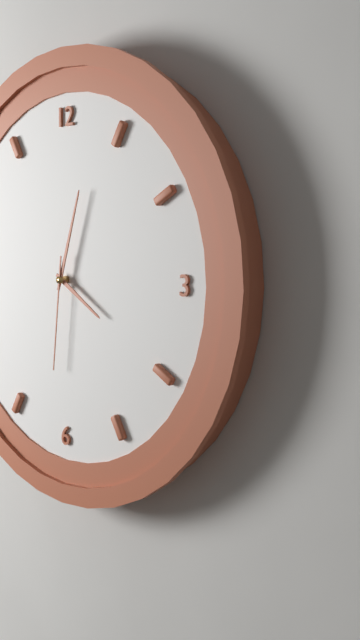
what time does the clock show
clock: 4:03:31
